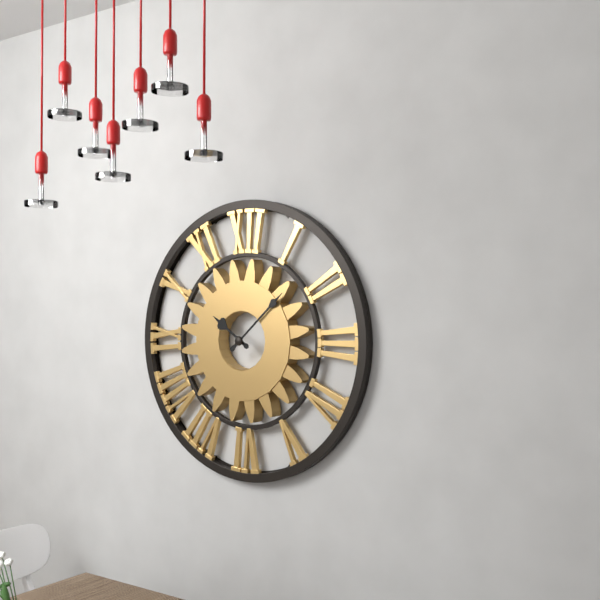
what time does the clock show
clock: 10:08
